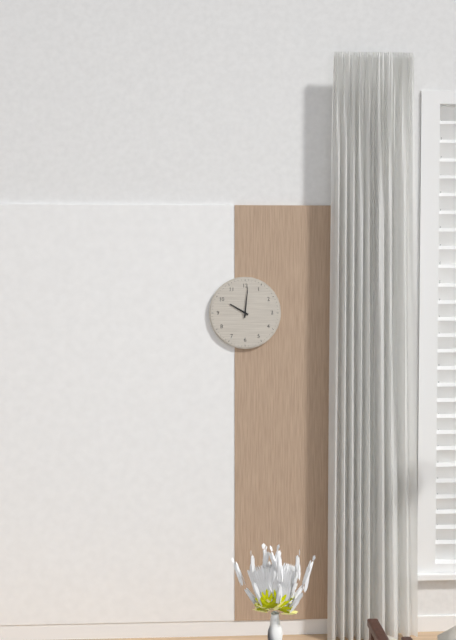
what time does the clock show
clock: 10:01
